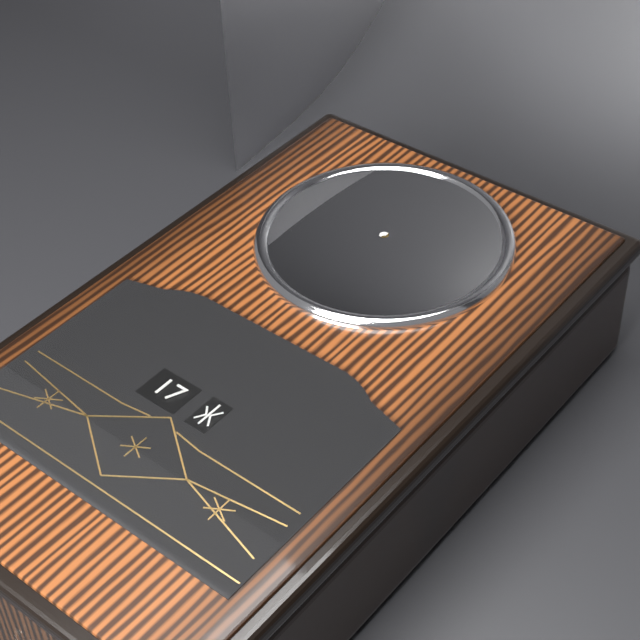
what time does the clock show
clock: 12:05
